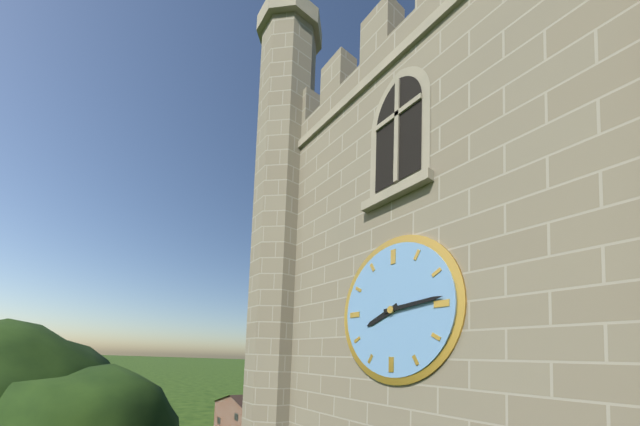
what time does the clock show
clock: 8:14
